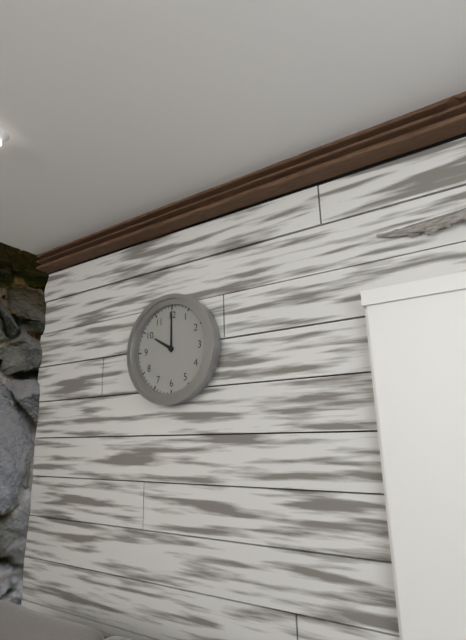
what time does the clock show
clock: 10:00
